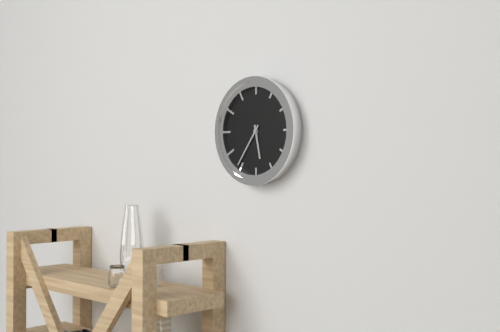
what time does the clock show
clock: 5:36
